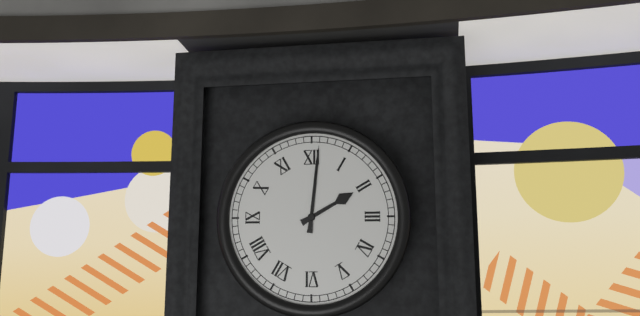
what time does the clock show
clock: 2:01
